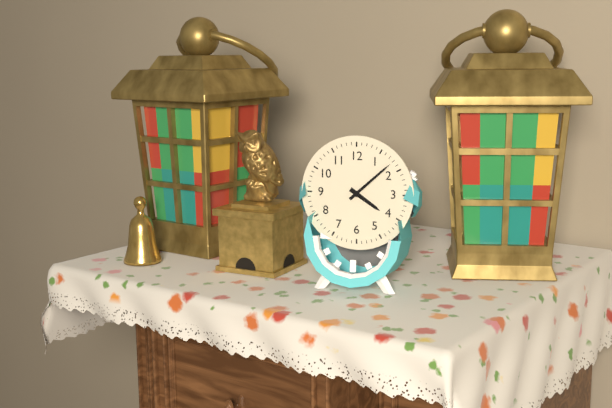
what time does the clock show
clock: 4:08
